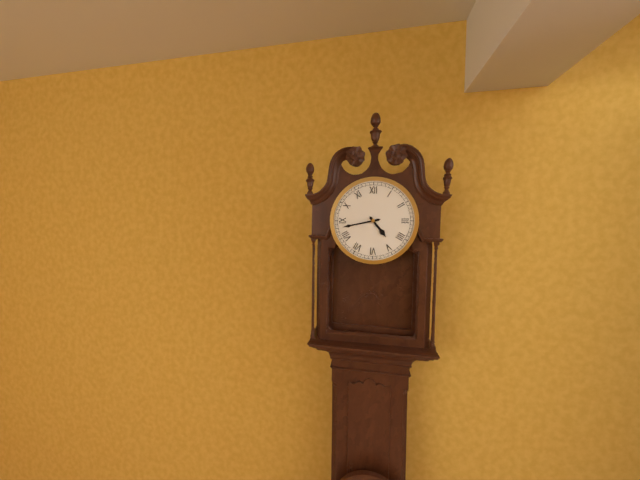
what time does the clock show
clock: 4:43
